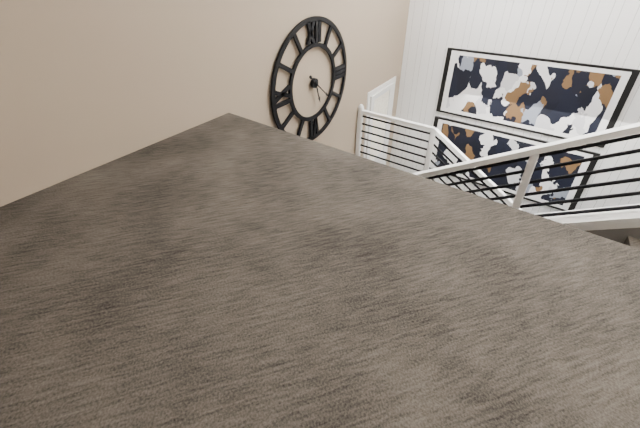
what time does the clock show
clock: 5:22
